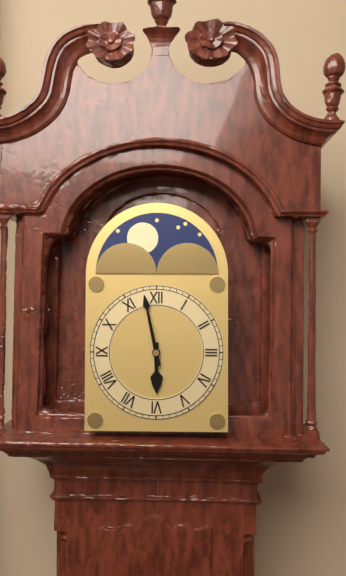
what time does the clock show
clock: 5:58
